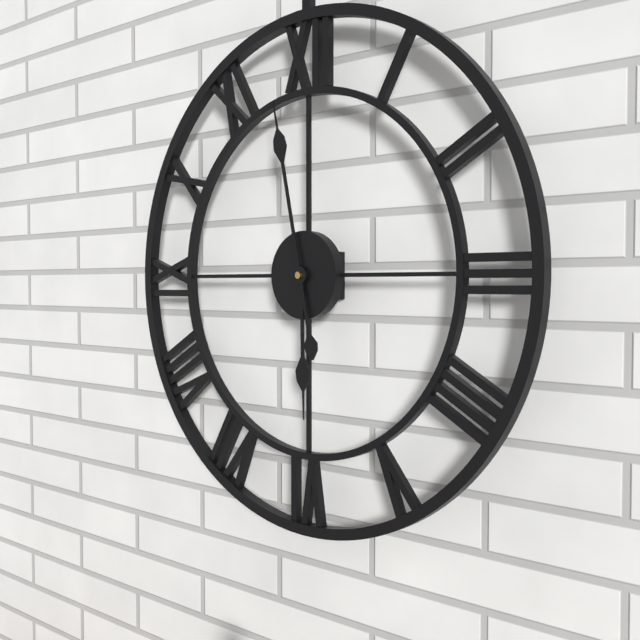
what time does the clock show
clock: 5:58
